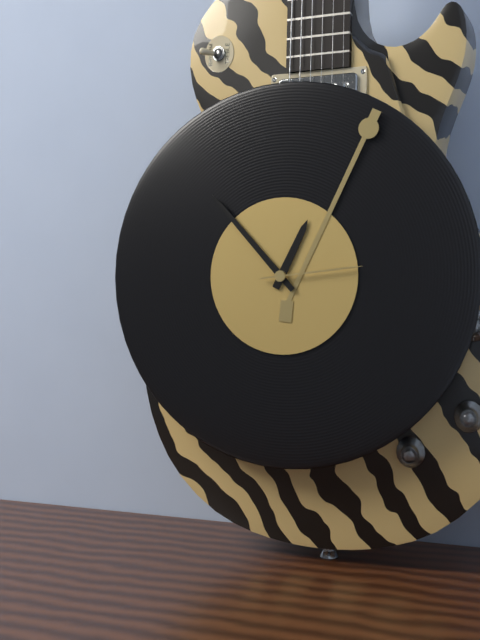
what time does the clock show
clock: 12:53:14
